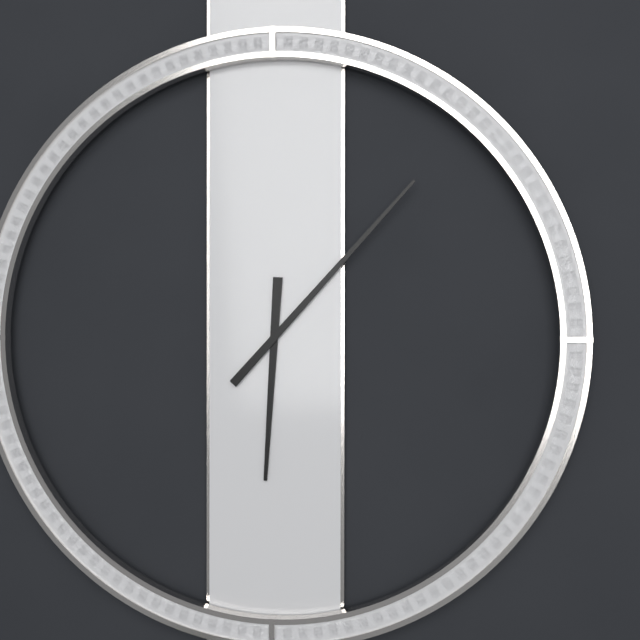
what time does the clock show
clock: 6:07
